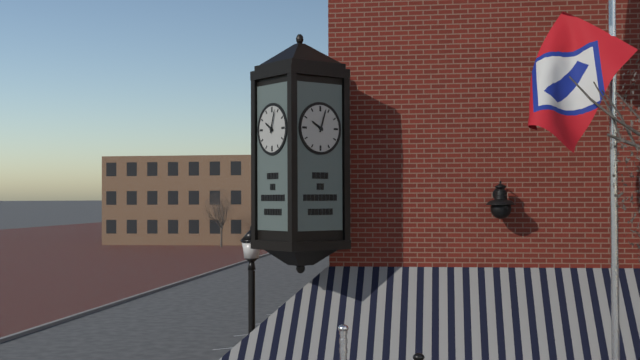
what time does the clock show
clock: 10:03
